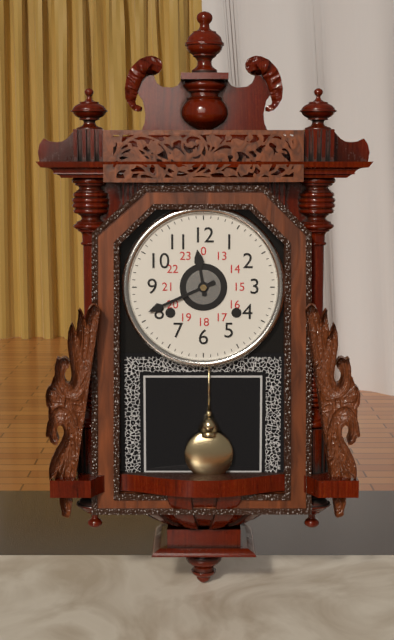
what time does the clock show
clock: 11:41
